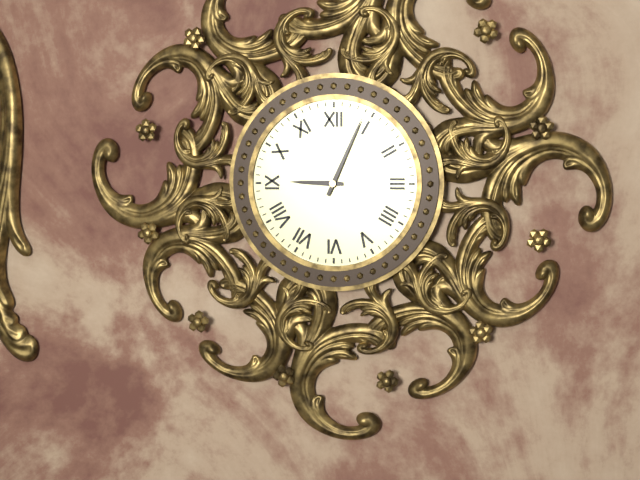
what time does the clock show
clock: 9:04
